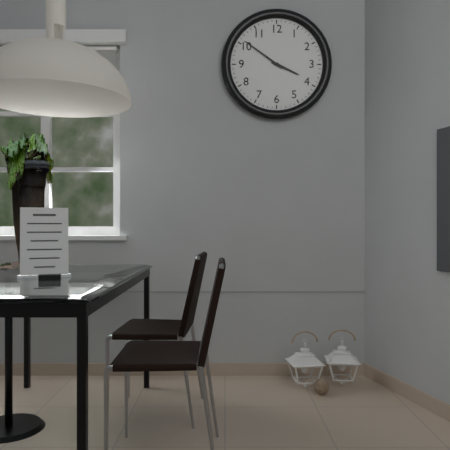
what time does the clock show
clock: 3:51
